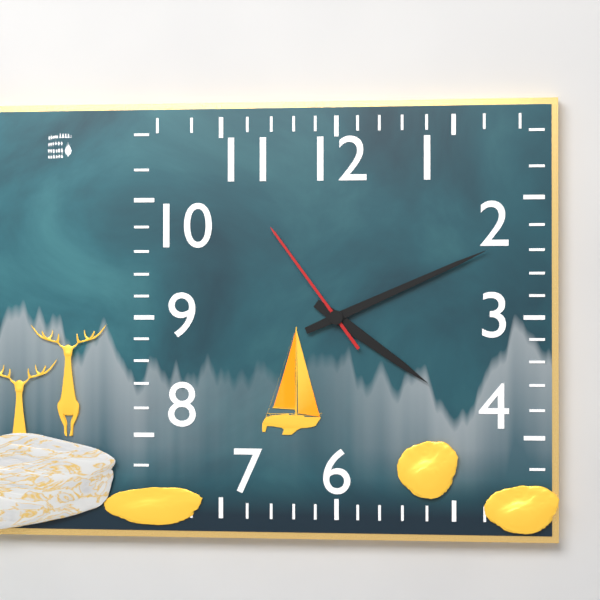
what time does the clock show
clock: 4:11:54
